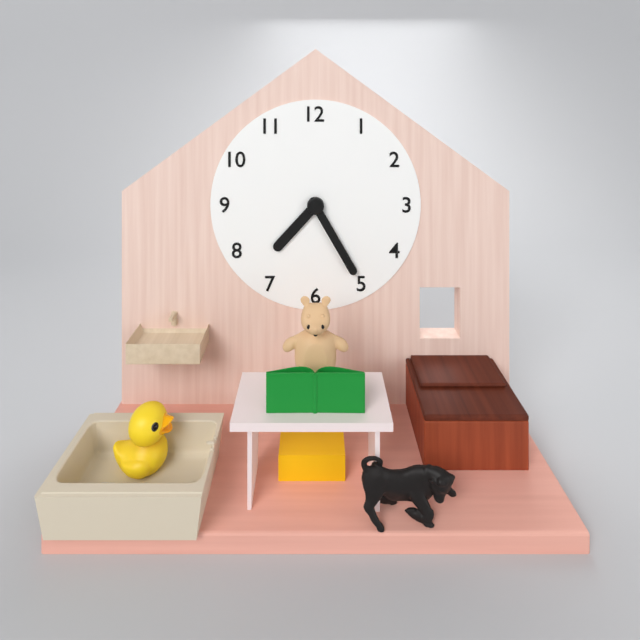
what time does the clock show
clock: 7:25
